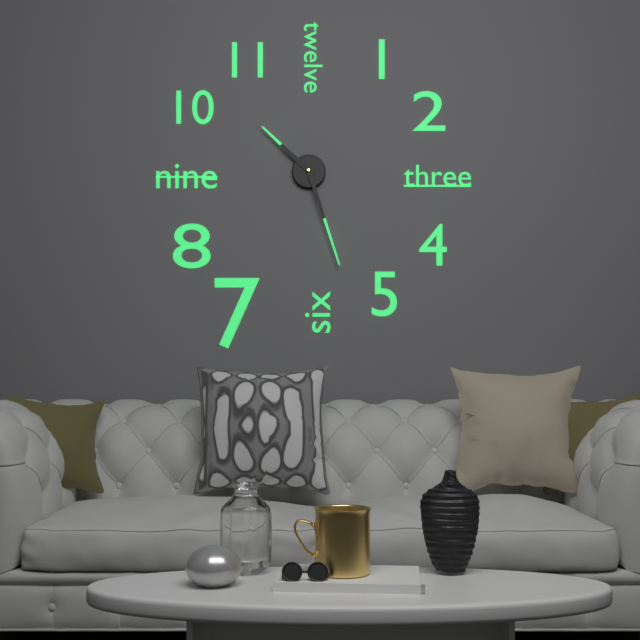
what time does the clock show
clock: 10:27
